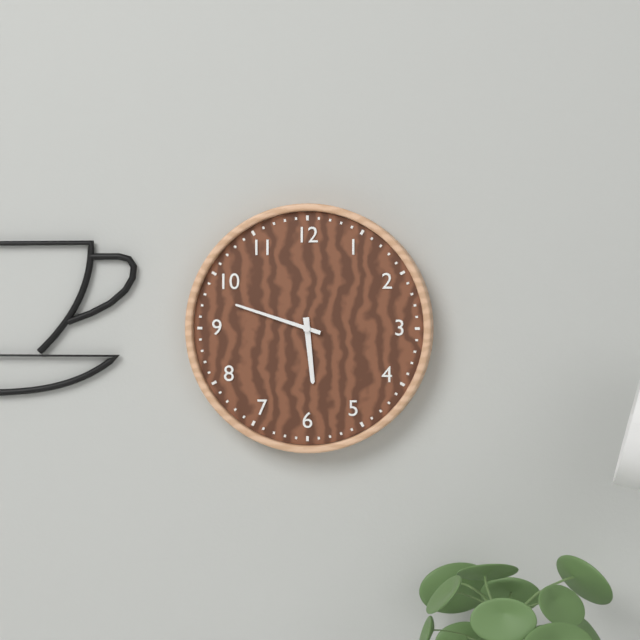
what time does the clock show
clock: 5:48
